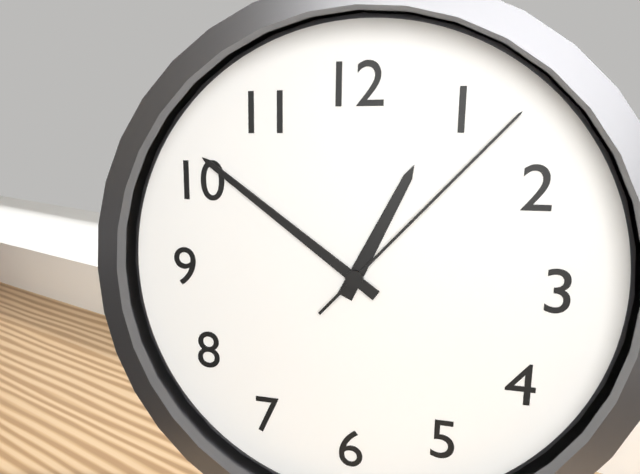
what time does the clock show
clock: 12:51:07
